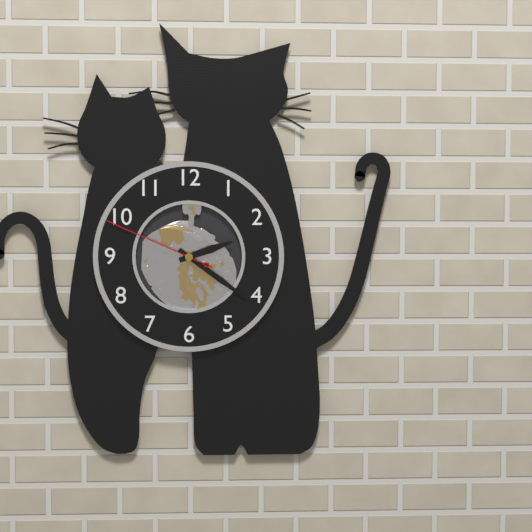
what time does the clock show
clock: 2:21:49
